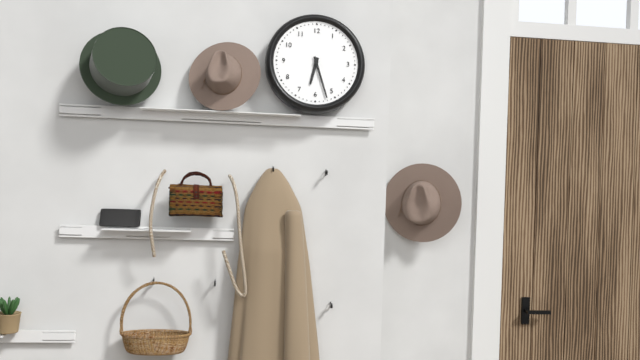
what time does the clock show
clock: 6:27
